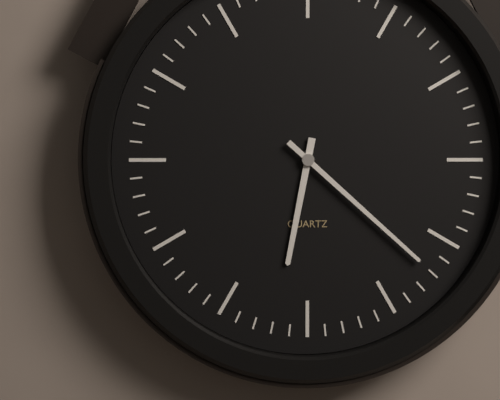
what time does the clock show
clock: 6:22
